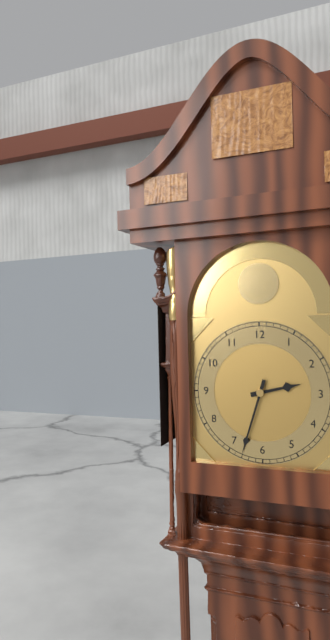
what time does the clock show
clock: 2:33
